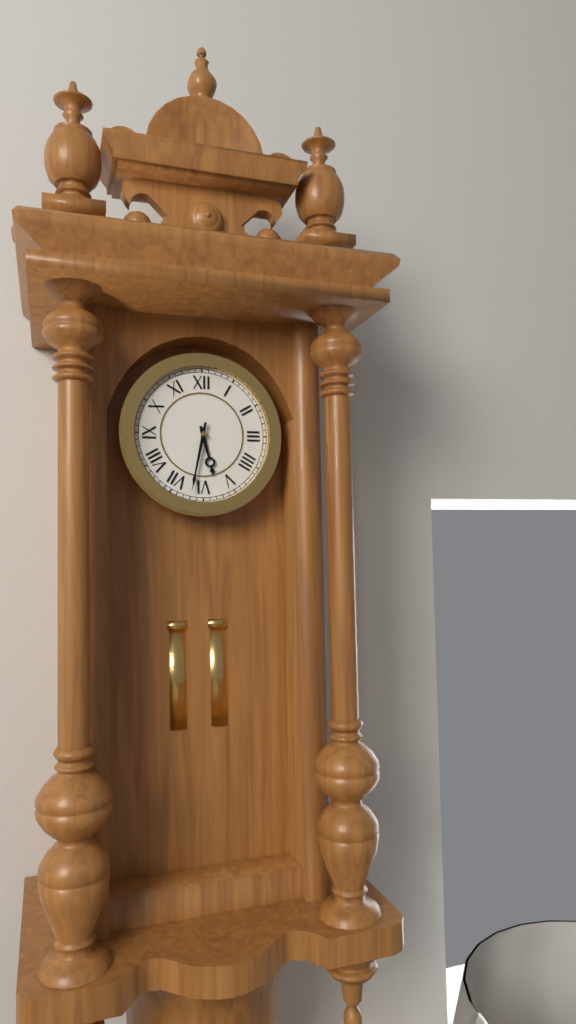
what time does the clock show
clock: 5:32
